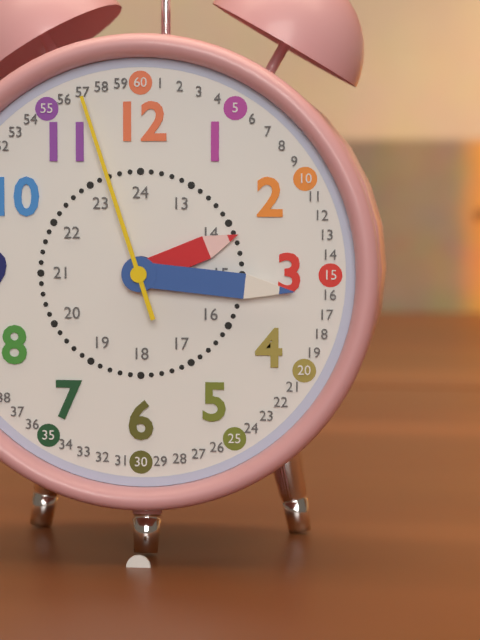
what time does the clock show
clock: 2:16:57
